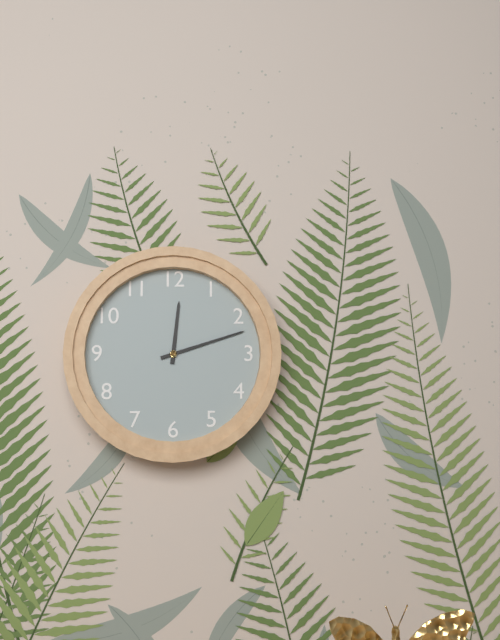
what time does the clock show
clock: 12:12
